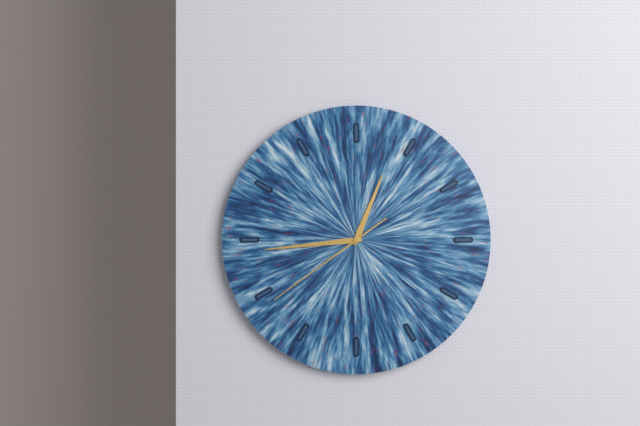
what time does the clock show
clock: 12:44:39
